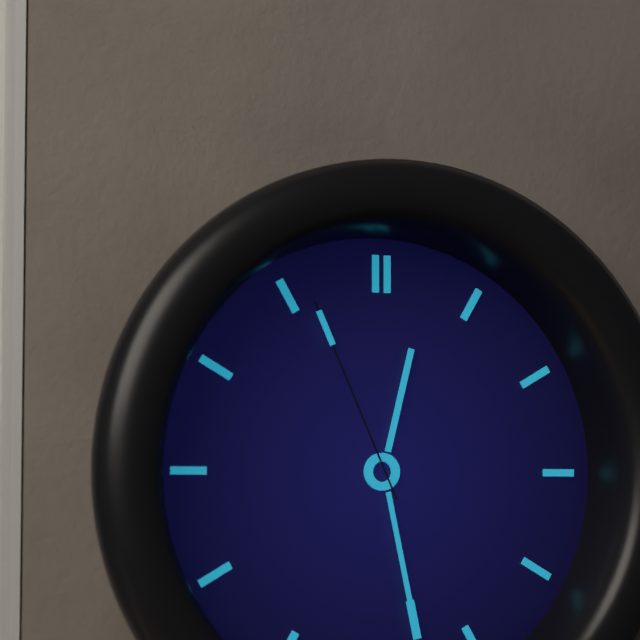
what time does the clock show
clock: 12:28:56
